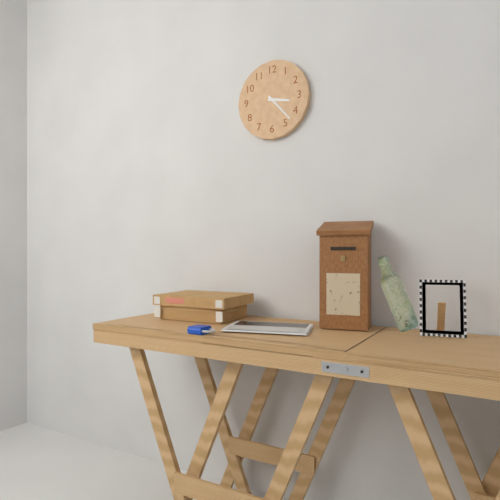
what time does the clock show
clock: 3:23
